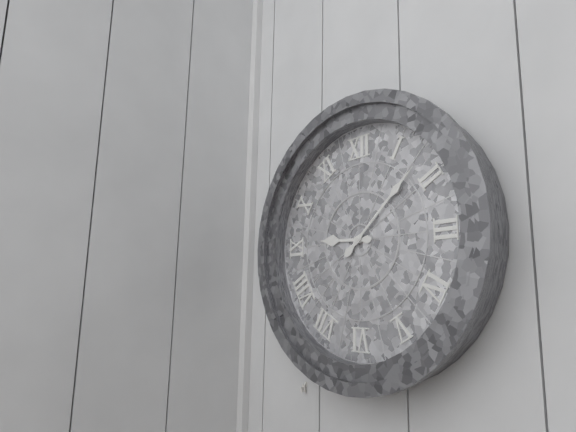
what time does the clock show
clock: 9:08
